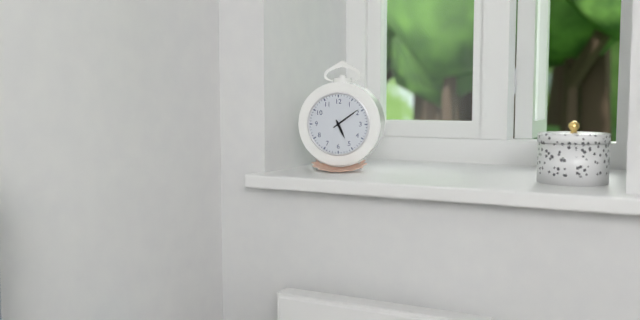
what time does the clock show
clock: 5:09
